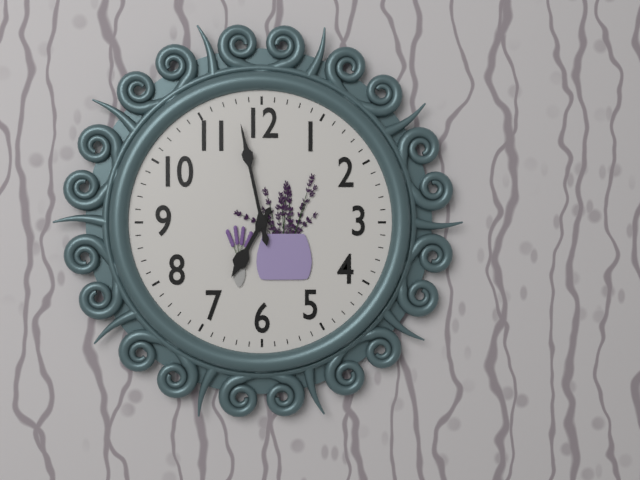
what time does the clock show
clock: 6:58
